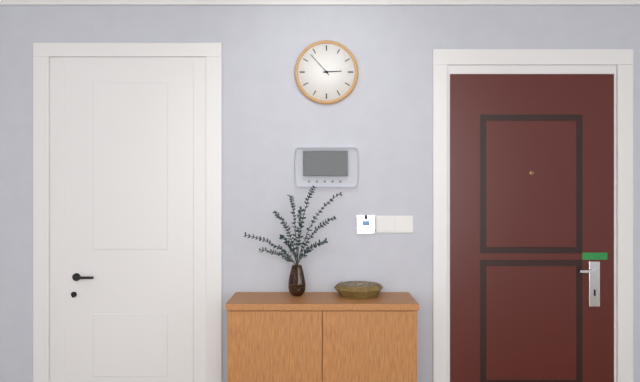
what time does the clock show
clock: 2:53
